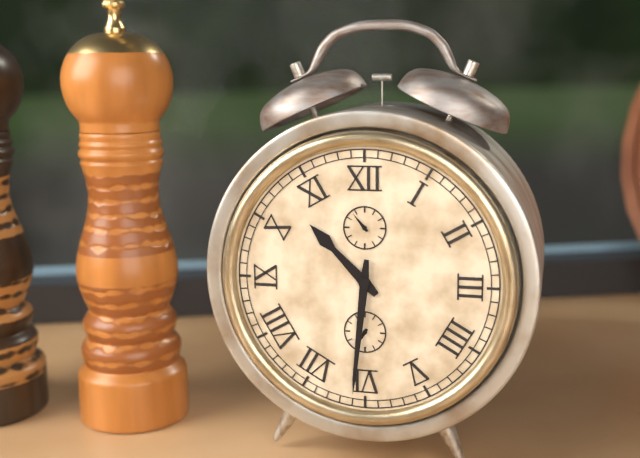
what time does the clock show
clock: 10:31
